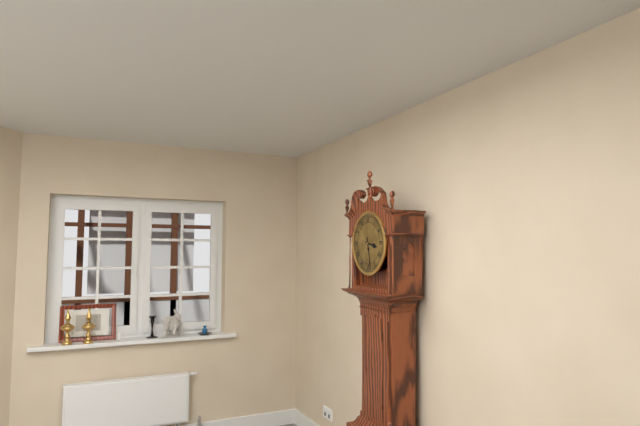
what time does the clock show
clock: 3:28
